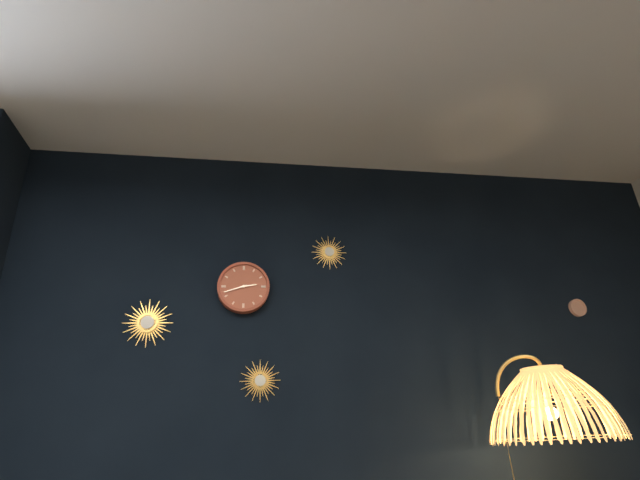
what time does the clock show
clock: 2:42
